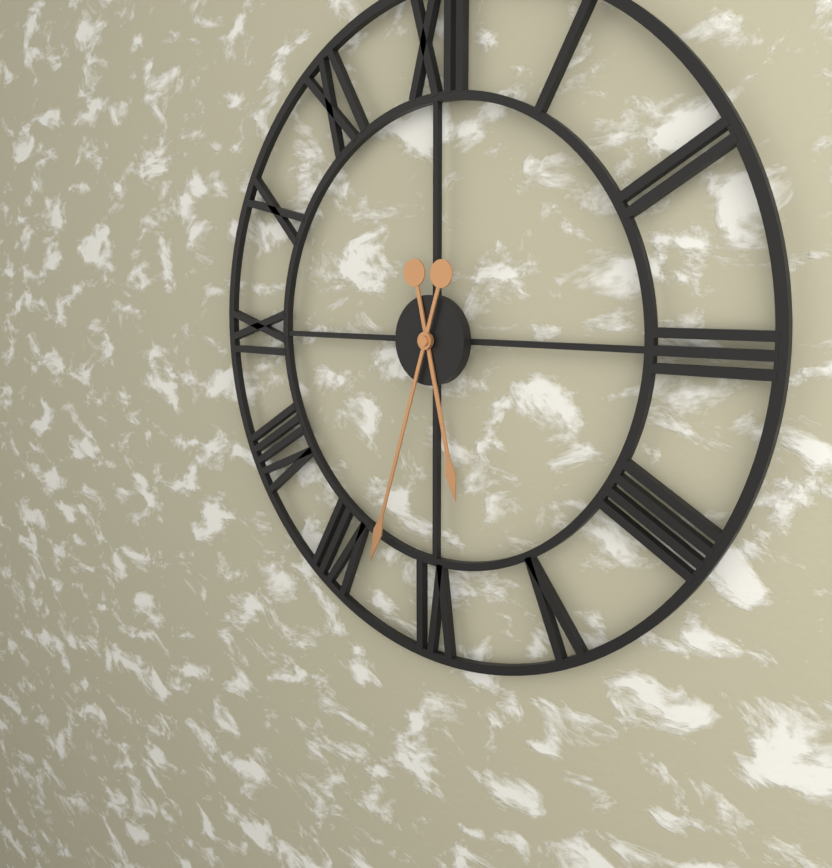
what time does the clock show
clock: 5:33
